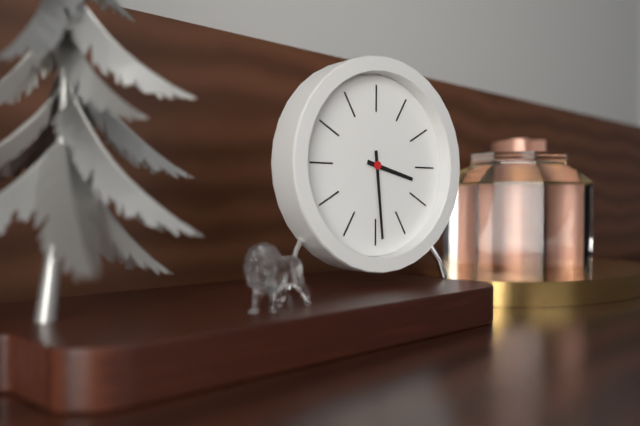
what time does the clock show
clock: 3:29
